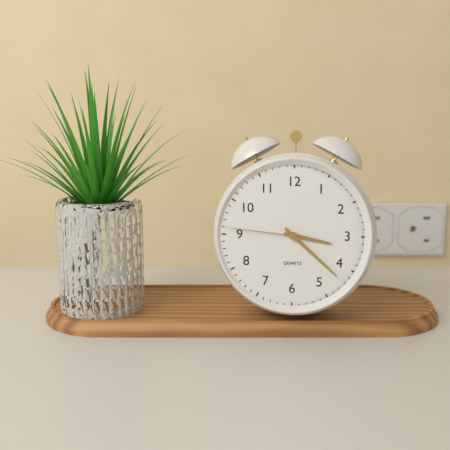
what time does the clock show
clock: 3:22:46
